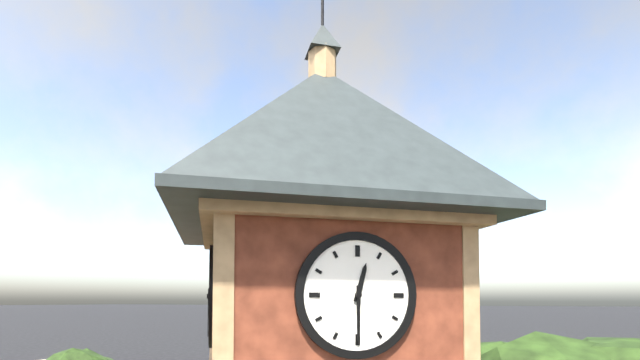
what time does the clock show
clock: 12:30
